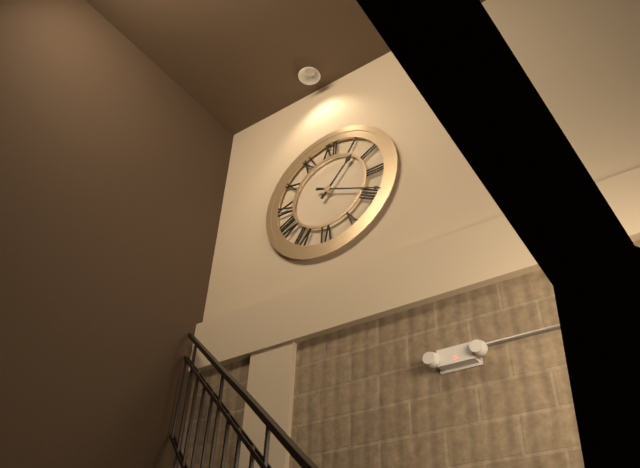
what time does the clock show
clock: 1:19
